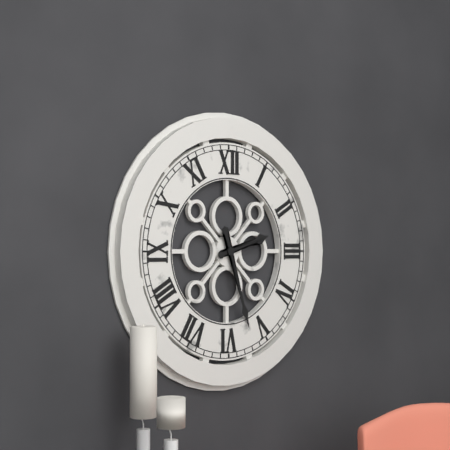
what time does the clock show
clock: 2:27
